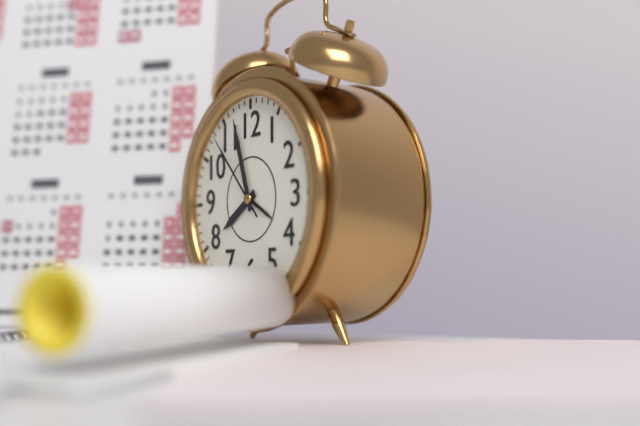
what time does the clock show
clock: 7:57:53
